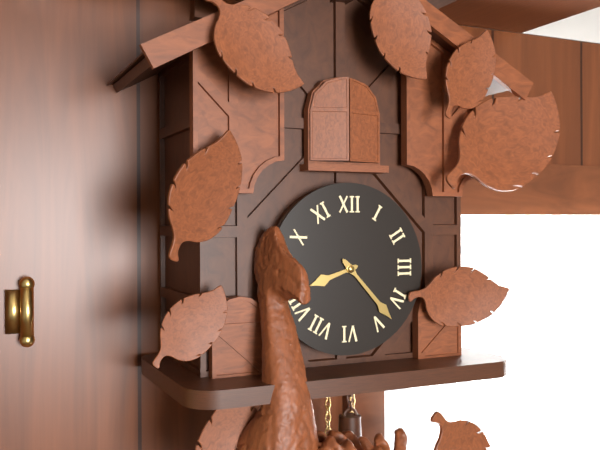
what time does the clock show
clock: 8:23
